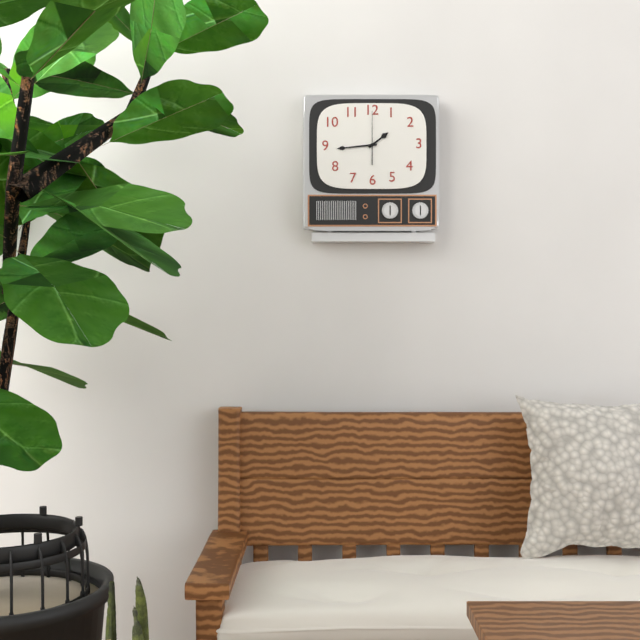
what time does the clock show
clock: 1:44
